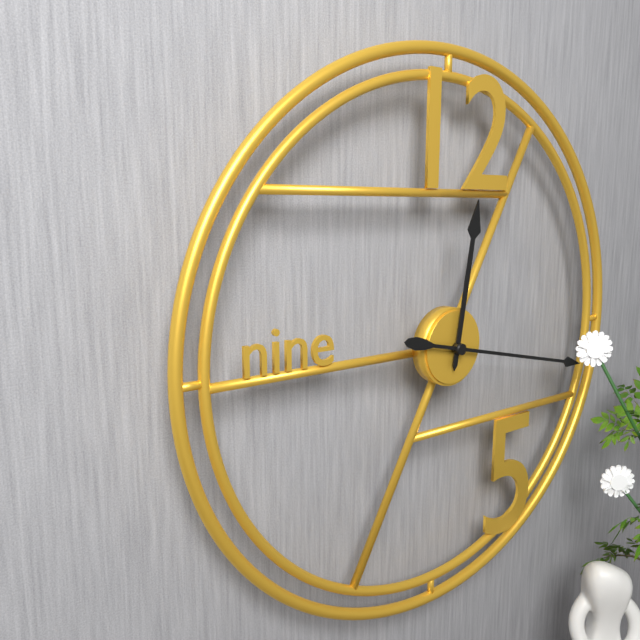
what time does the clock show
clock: 12:17
